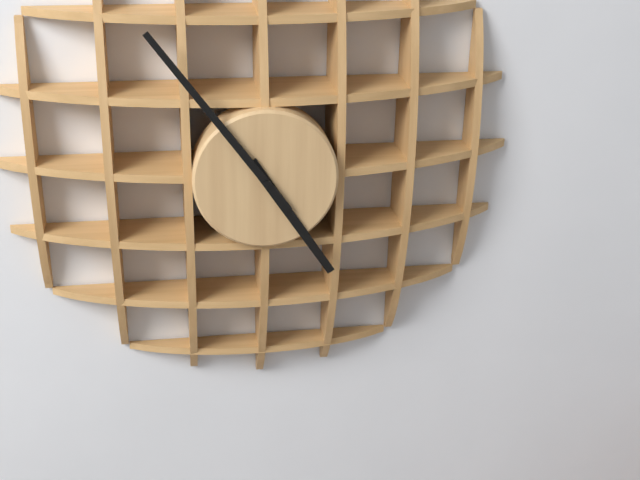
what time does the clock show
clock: 4:54
